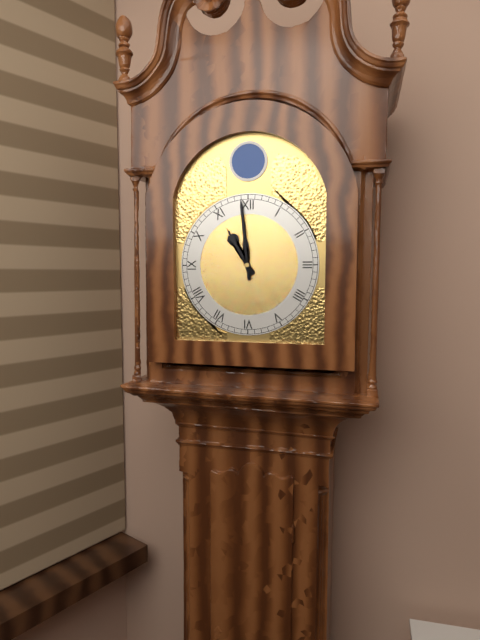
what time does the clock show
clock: 10:59
